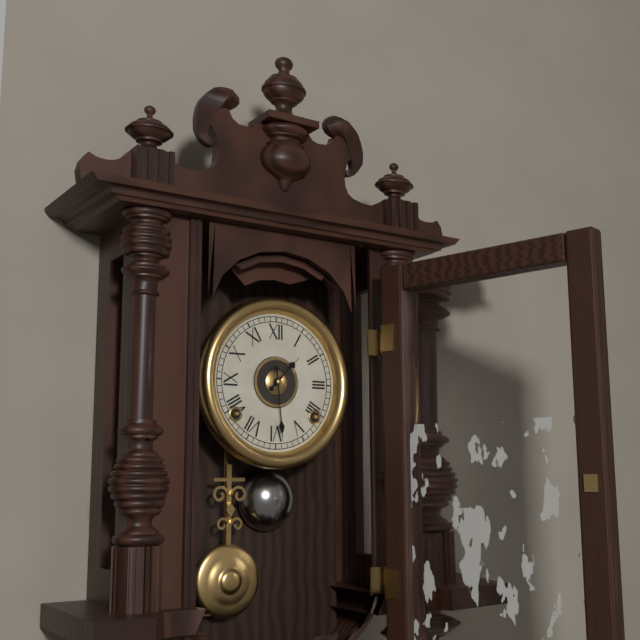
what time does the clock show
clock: 1:29
